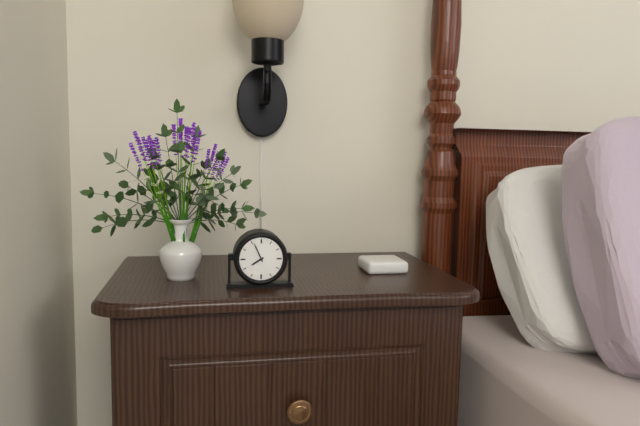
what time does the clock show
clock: 7:56
